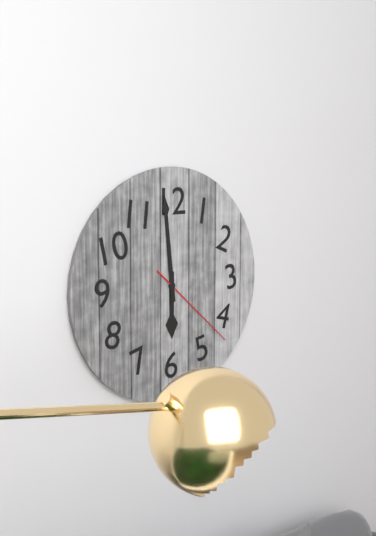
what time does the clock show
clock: 5:59:22
